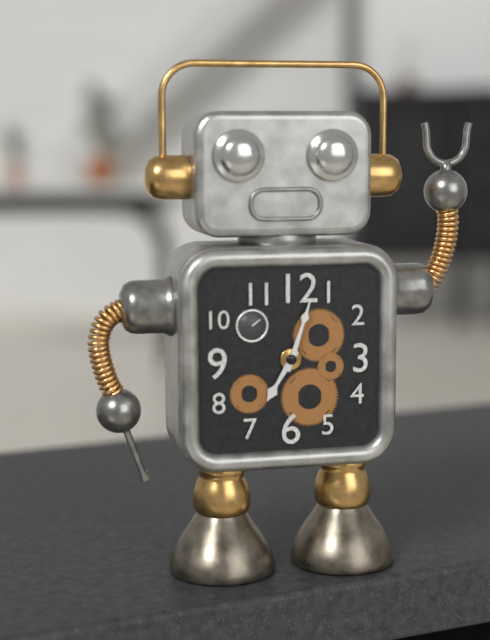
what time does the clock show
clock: 7:03
